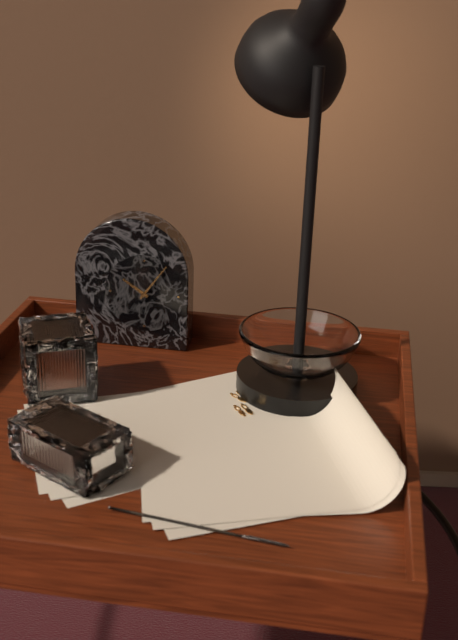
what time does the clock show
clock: 10:06
